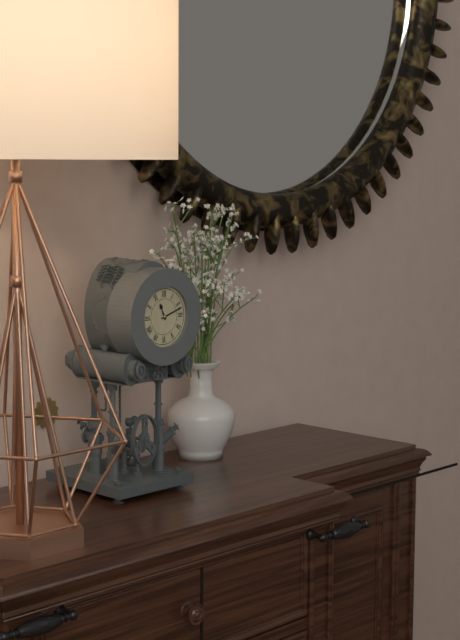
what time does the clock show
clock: 11:12
